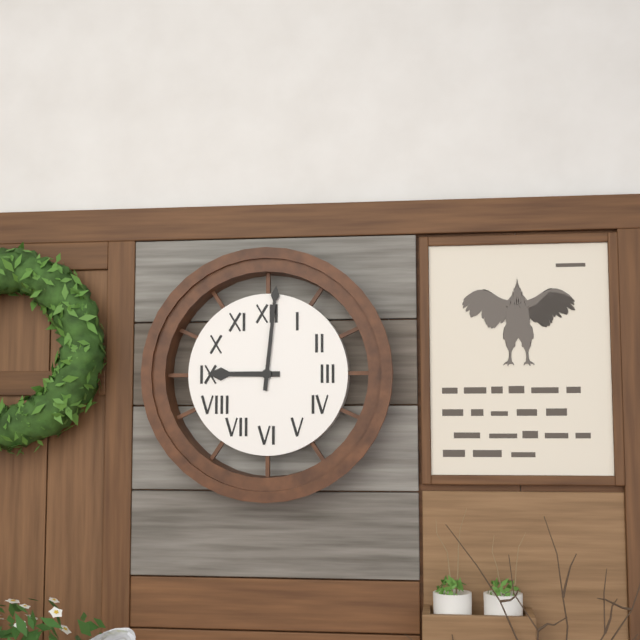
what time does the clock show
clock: 9:01
